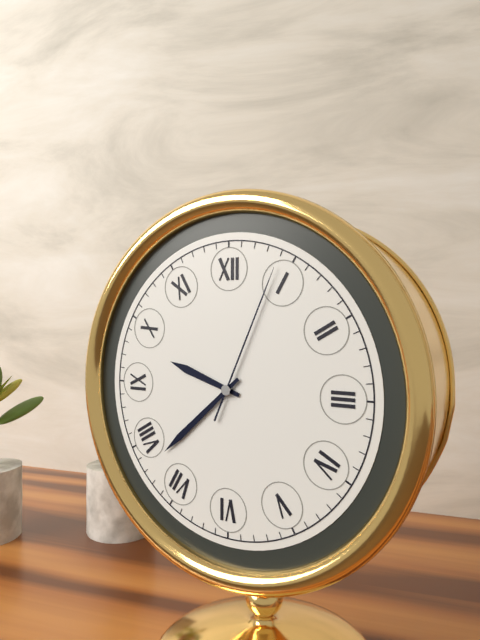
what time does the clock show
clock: 9:38:04
